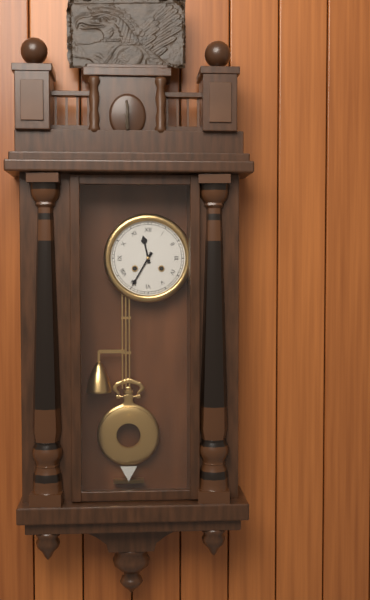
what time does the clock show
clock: 11:35
